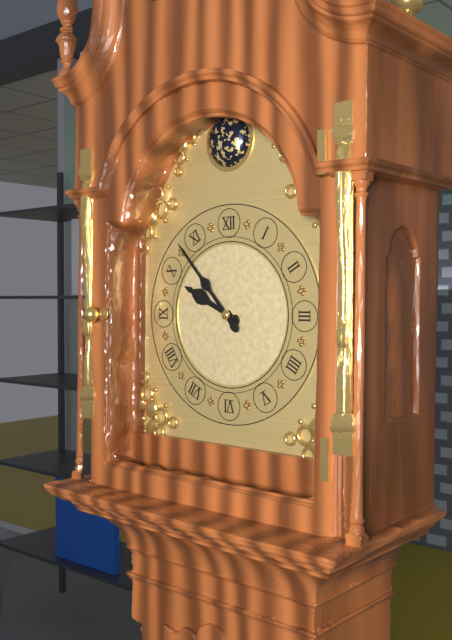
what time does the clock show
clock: 9:53
